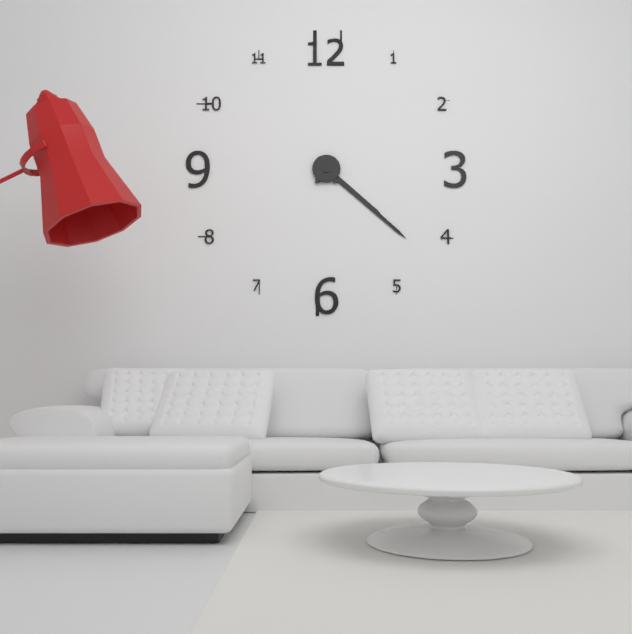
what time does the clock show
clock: 4:22
